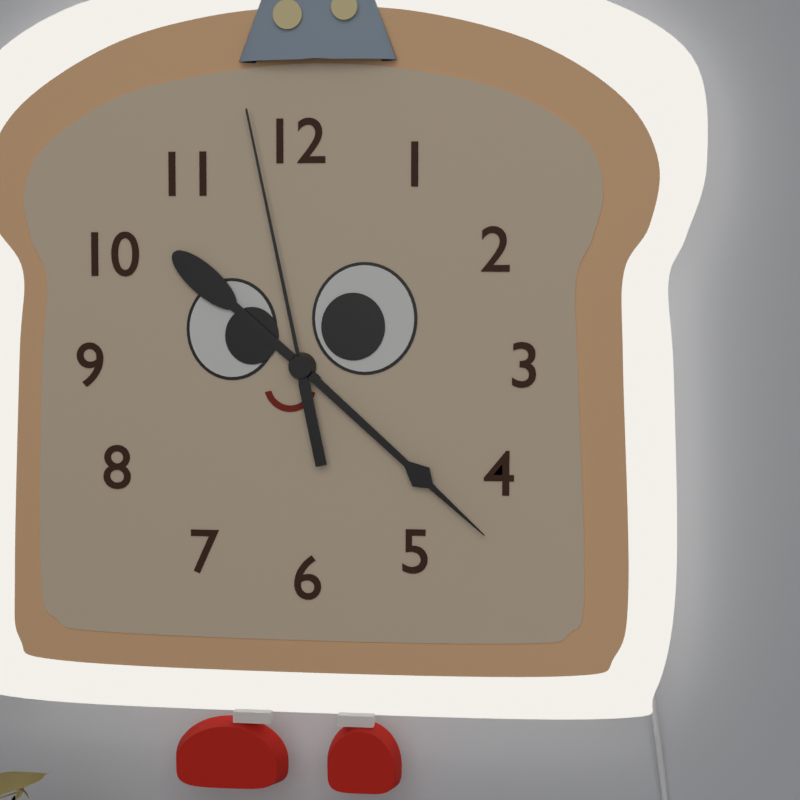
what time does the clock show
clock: 10:22:58
